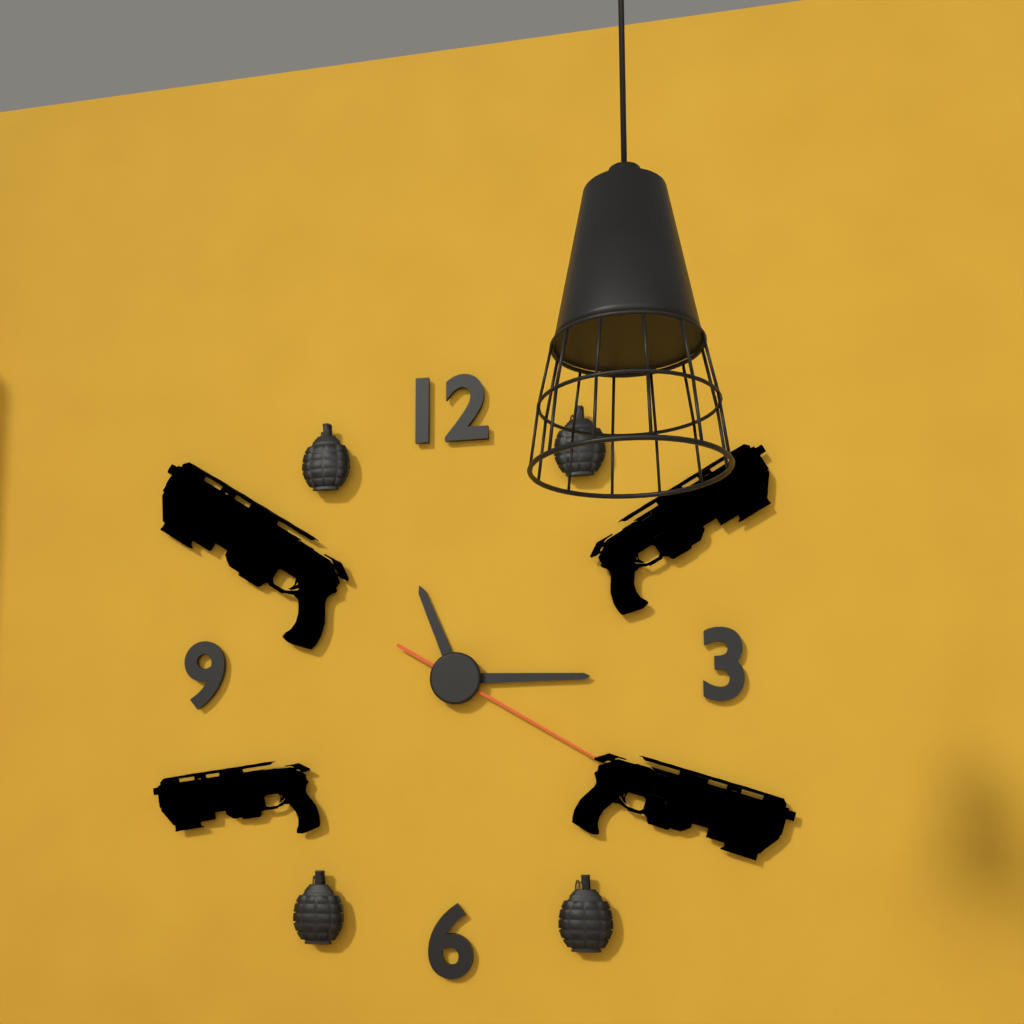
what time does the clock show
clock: 11:15:20
